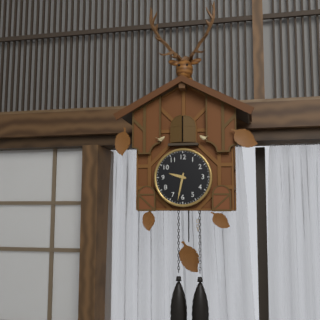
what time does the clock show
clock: 9:32
